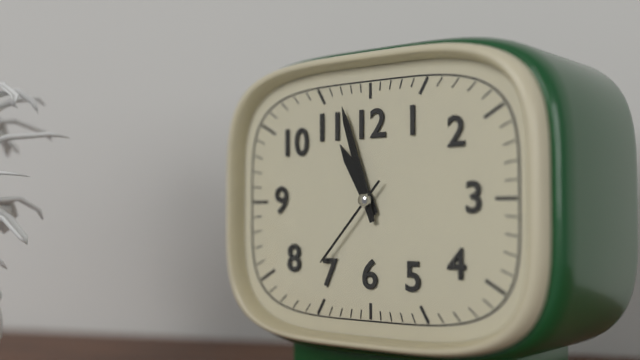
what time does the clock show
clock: 10:57:37
